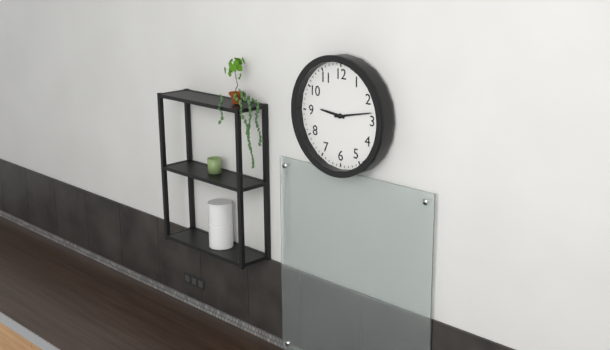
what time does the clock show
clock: 9:13
